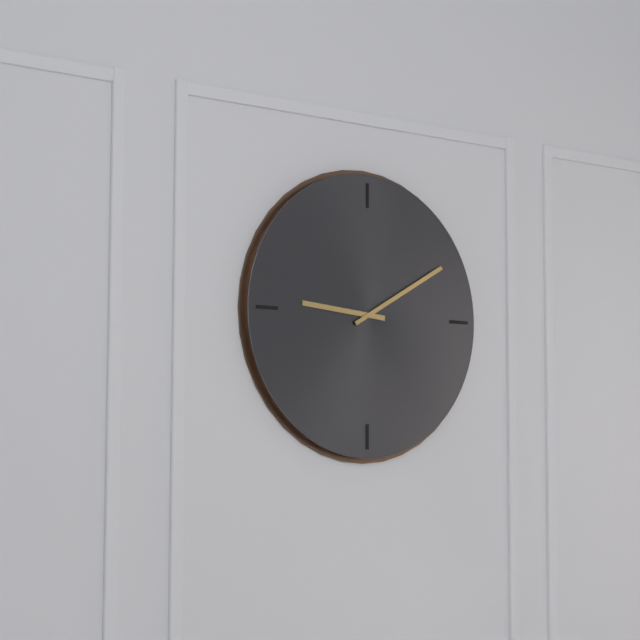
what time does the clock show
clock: 9:10
